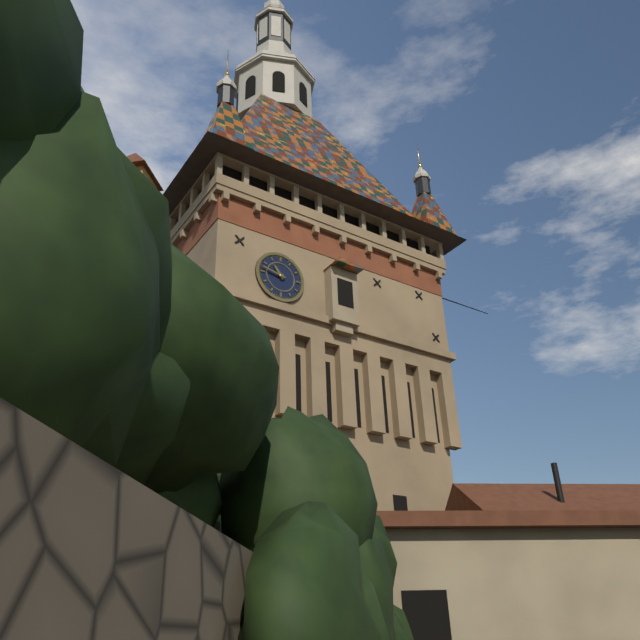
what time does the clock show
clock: 10:47
